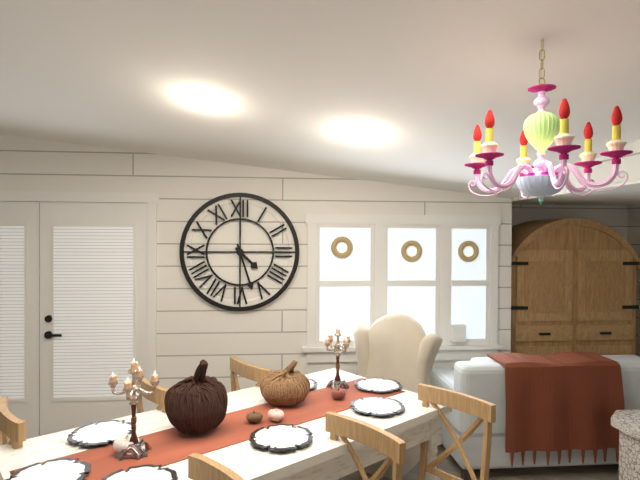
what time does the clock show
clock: 4:27
